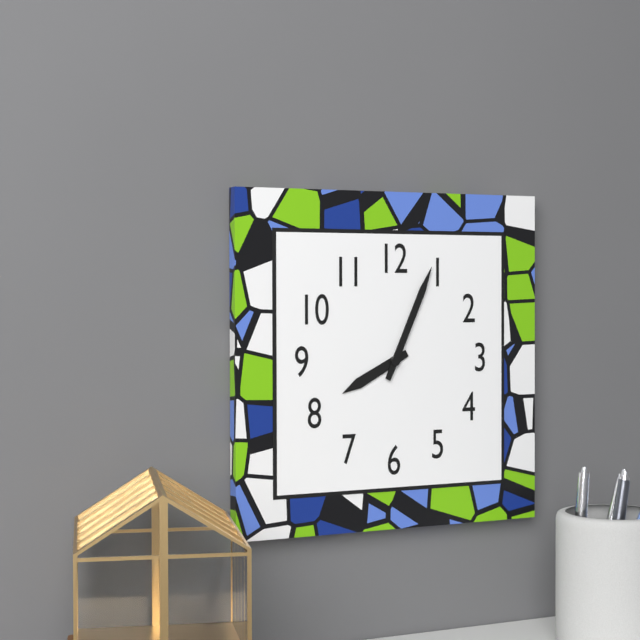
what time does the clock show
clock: 8:04
